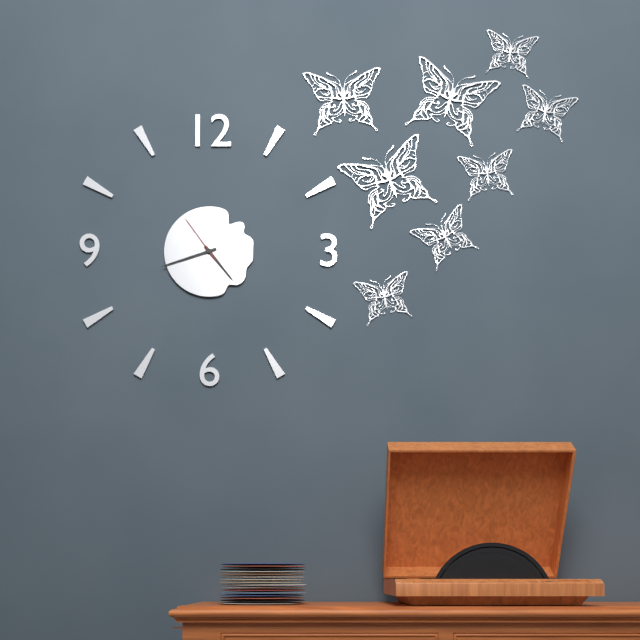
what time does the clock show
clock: 4:42:54
